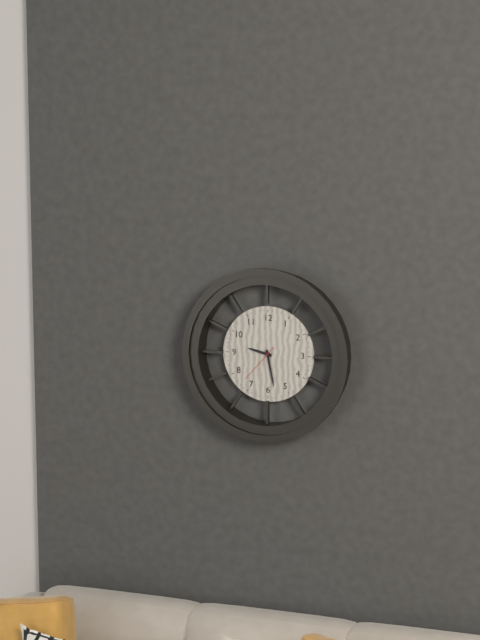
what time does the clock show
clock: 9:28
